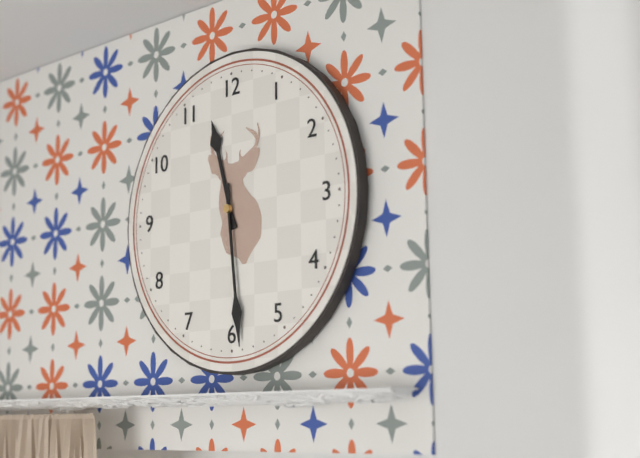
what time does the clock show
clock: 11:29
